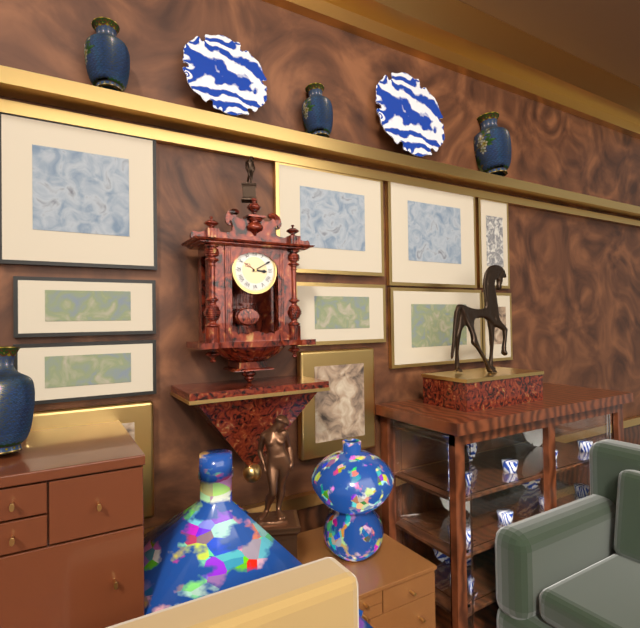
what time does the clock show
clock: 3:10
